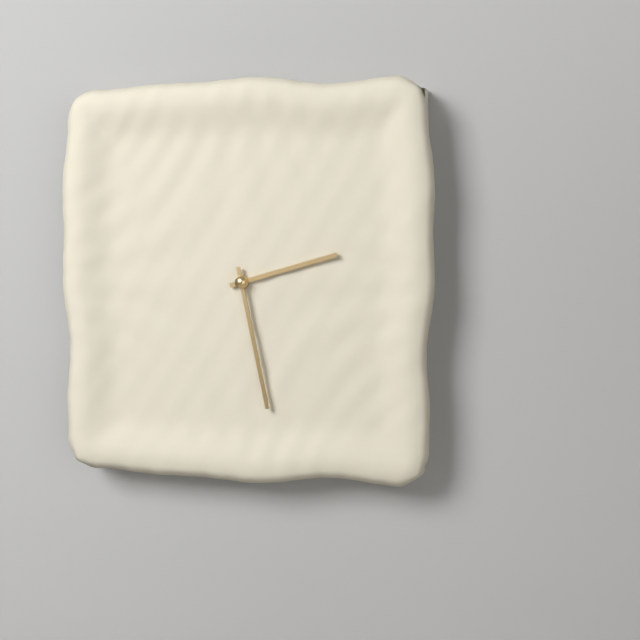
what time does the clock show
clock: 2:28
